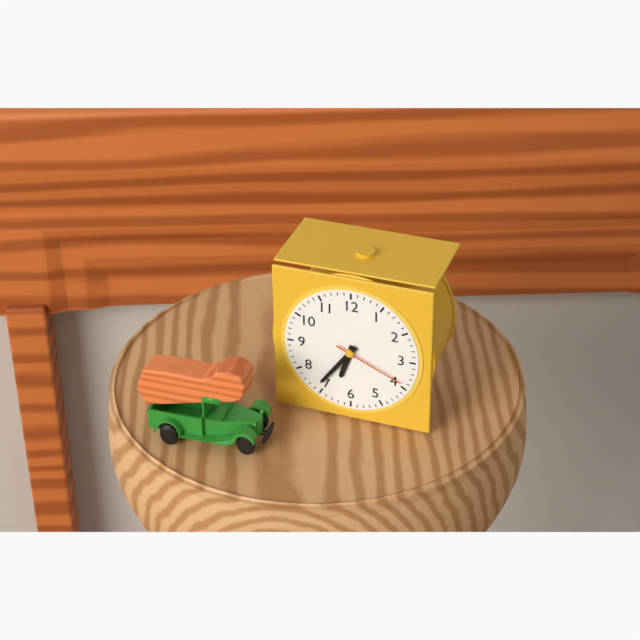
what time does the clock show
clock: 6:36:19
